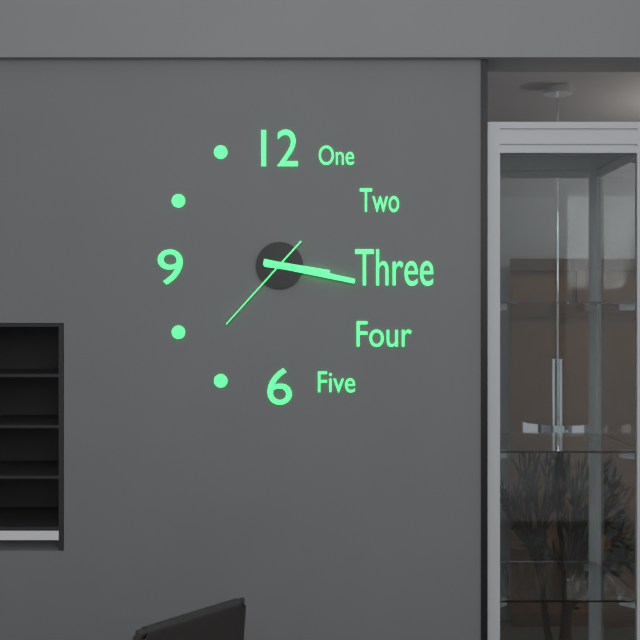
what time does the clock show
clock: 3:17:37
